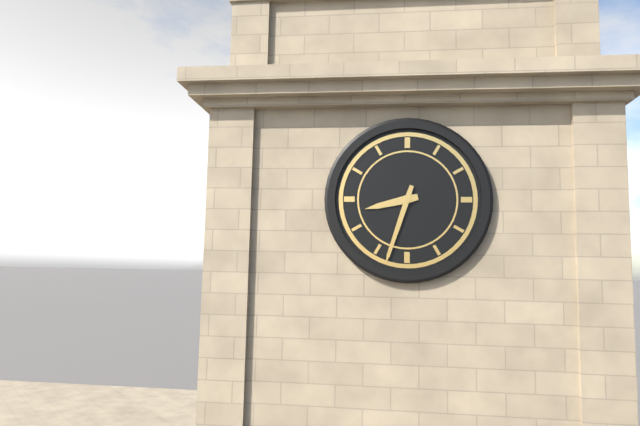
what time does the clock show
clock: 8:33
